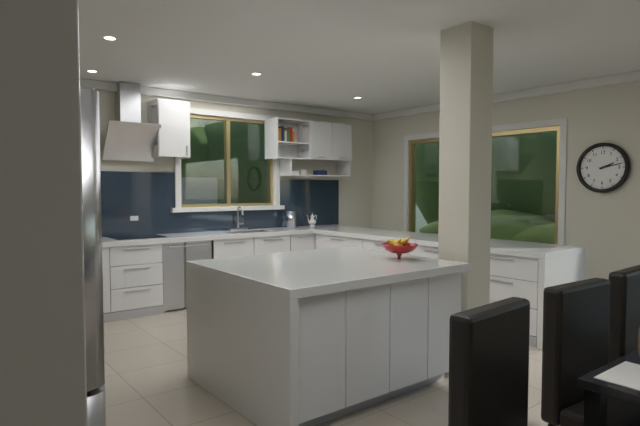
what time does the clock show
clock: 2:13
